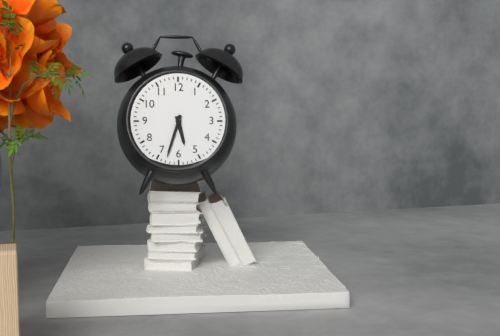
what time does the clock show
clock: 5:33
